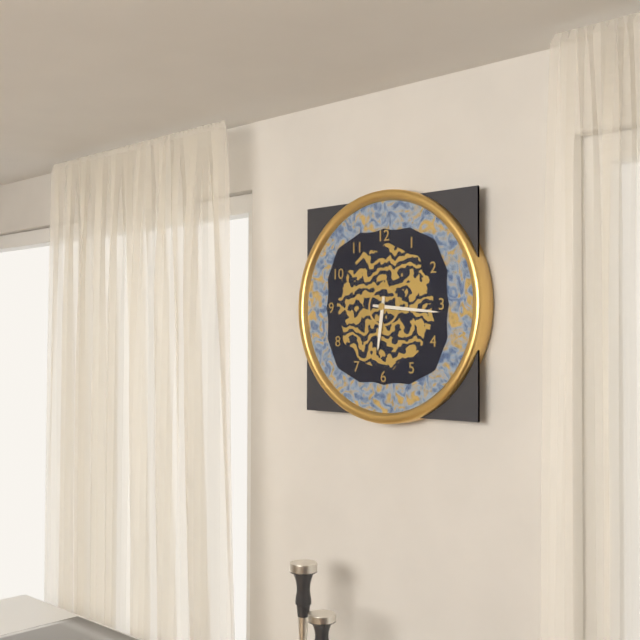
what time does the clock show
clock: 6:16
